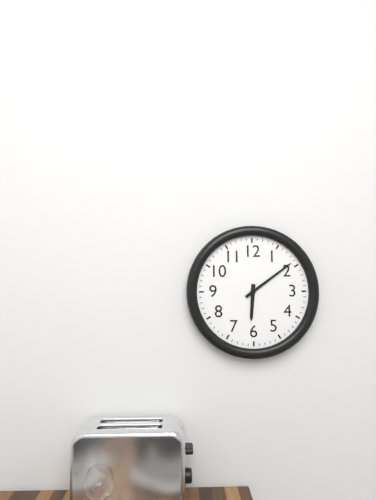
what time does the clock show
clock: 6:09
